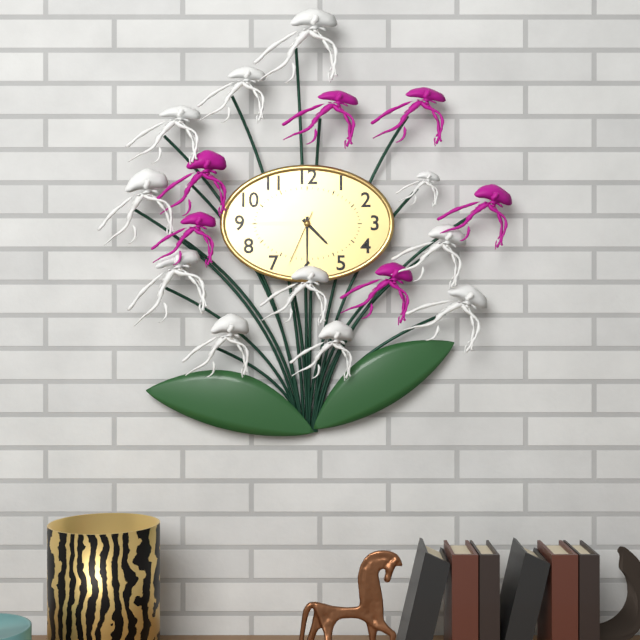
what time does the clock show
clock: 4:30:34
